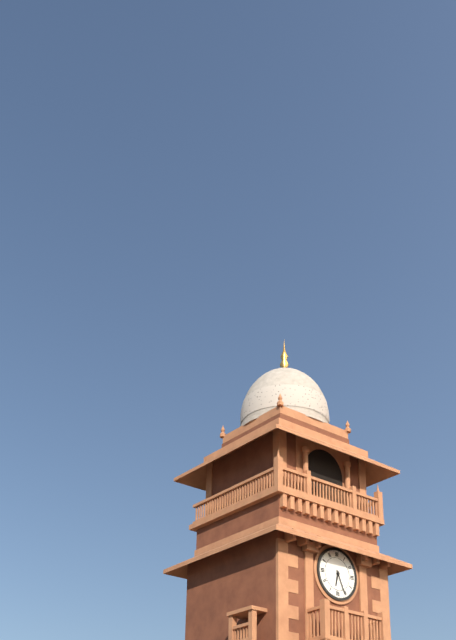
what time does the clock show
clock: 6:26
